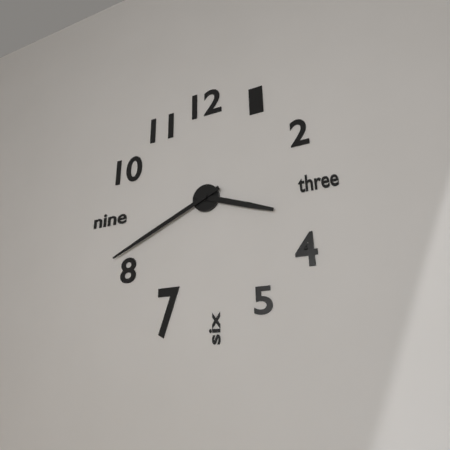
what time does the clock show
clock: 3:41
